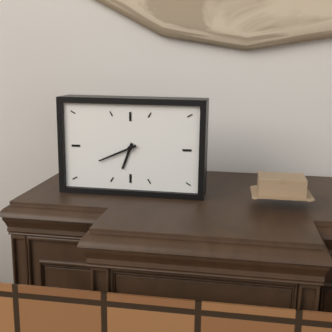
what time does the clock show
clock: 6:41
